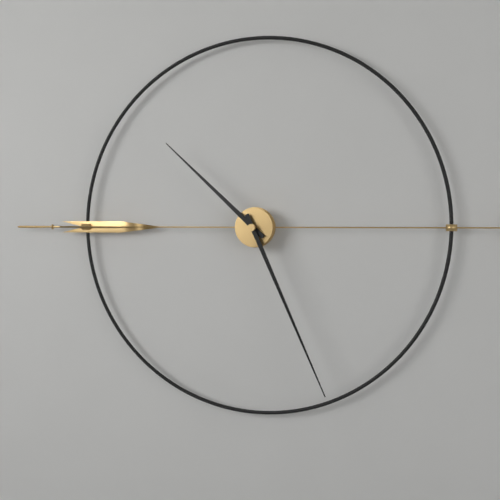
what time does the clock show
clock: 10:26
